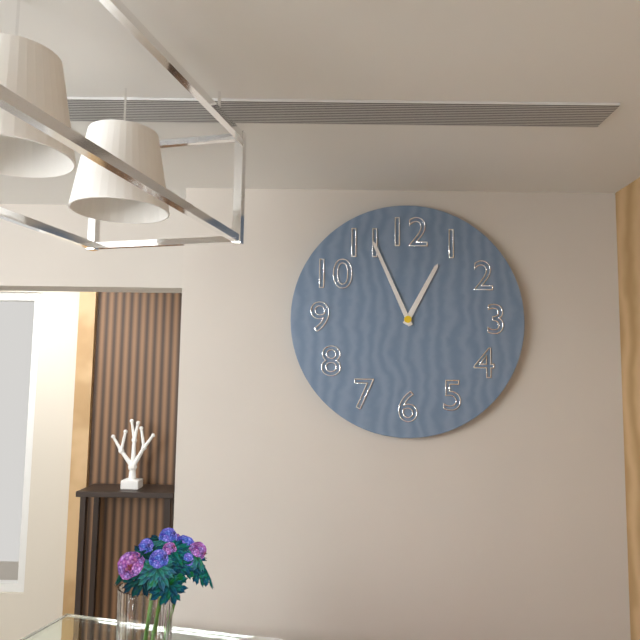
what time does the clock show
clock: 12:56
